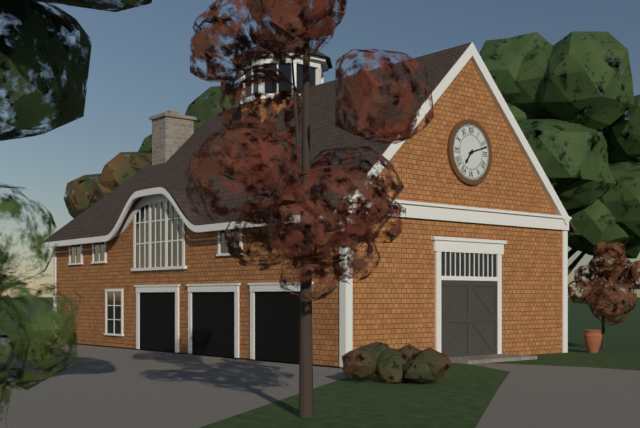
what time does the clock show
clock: 7:12
